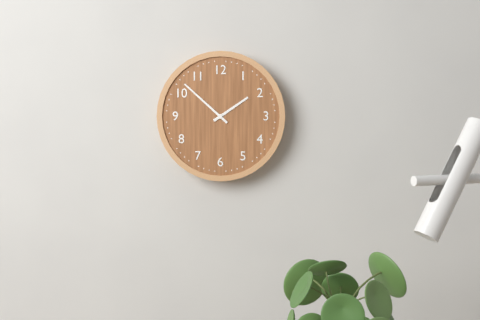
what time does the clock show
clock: 1:52
